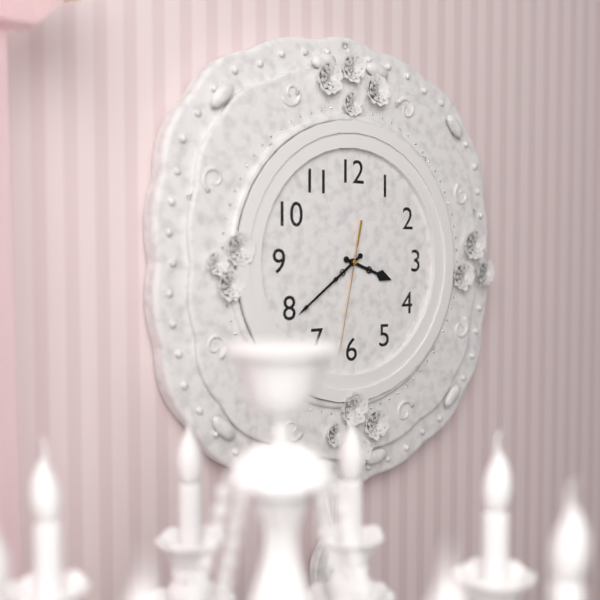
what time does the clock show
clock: 3:39:32
